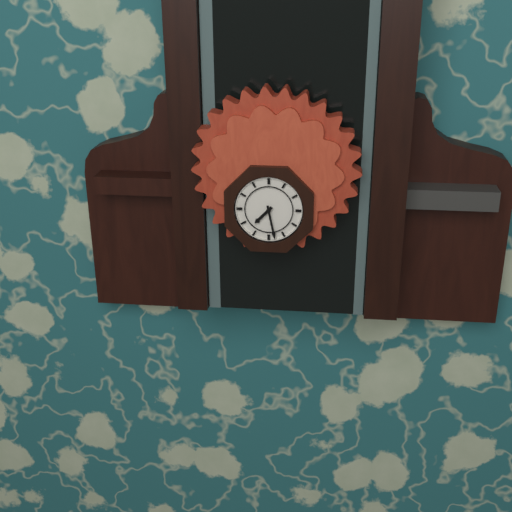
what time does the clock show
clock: 7:28
